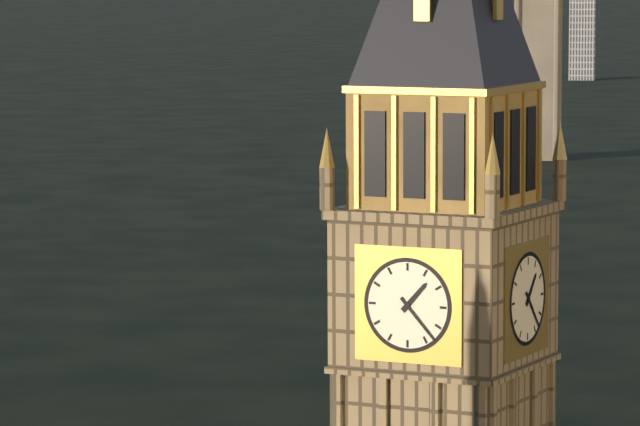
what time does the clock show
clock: 1:23
